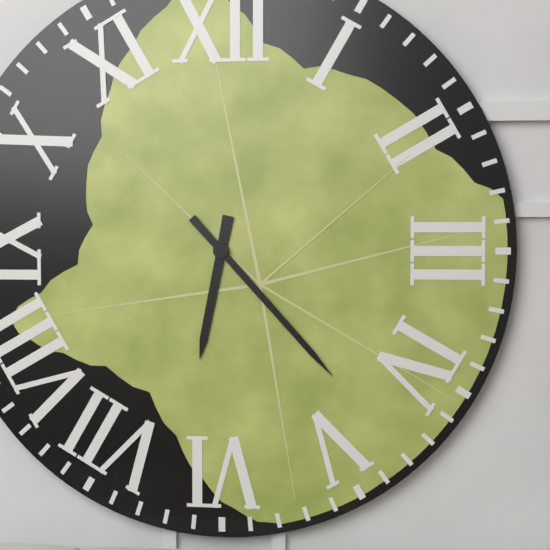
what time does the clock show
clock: 6:23
